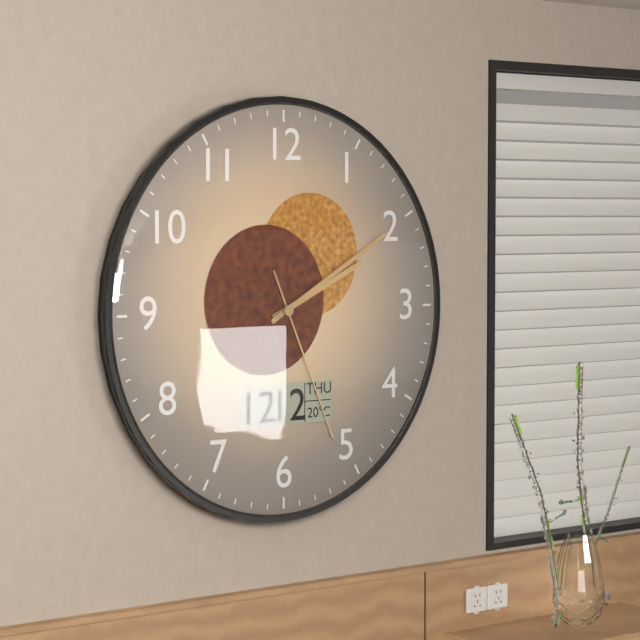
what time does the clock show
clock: 2:10:26
